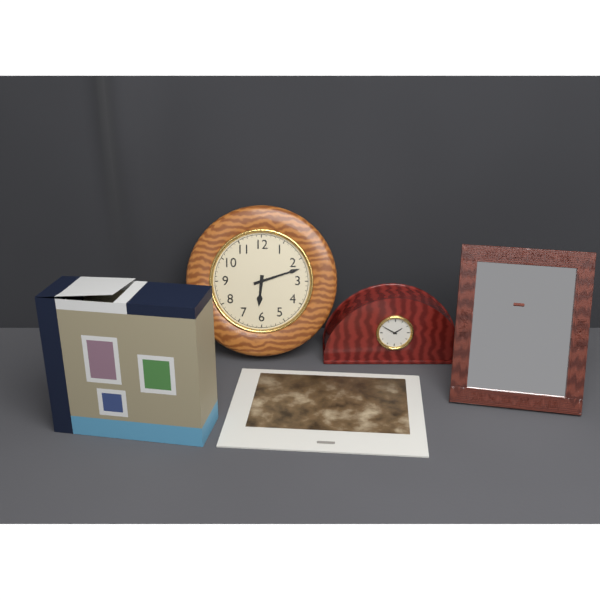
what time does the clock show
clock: 6:12
